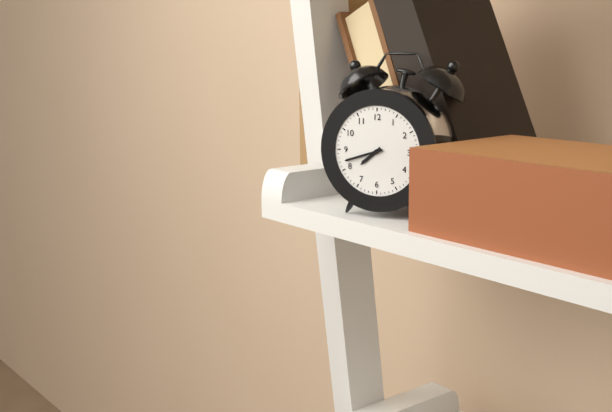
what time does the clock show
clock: 7:42
